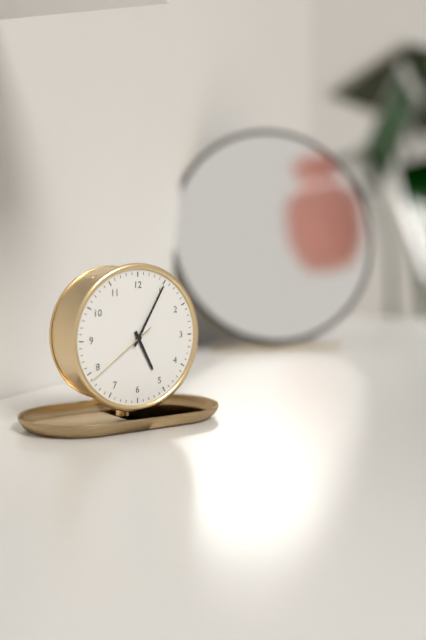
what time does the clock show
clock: 5:05:39
